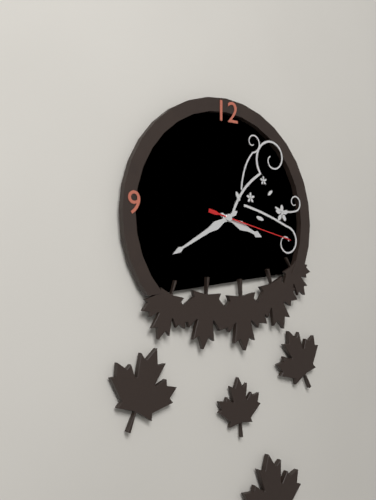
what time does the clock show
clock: 3:40:17
